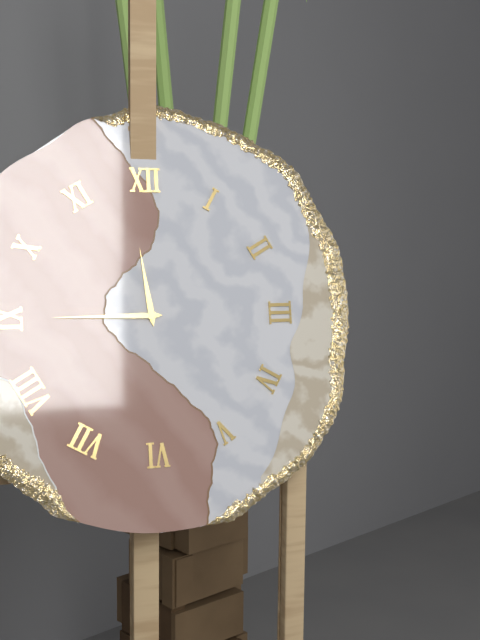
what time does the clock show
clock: 11:45
